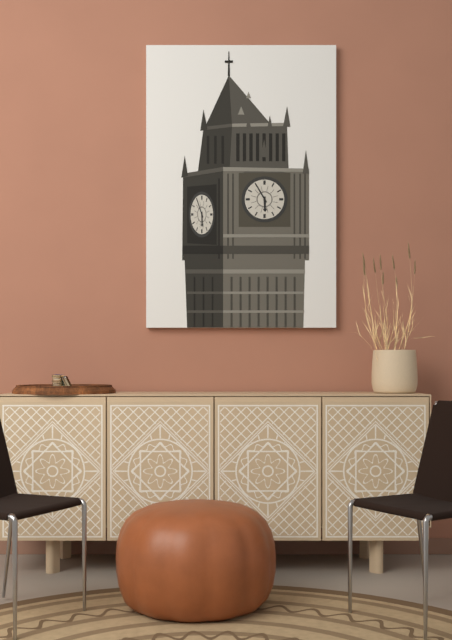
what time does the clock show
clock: 5:55
